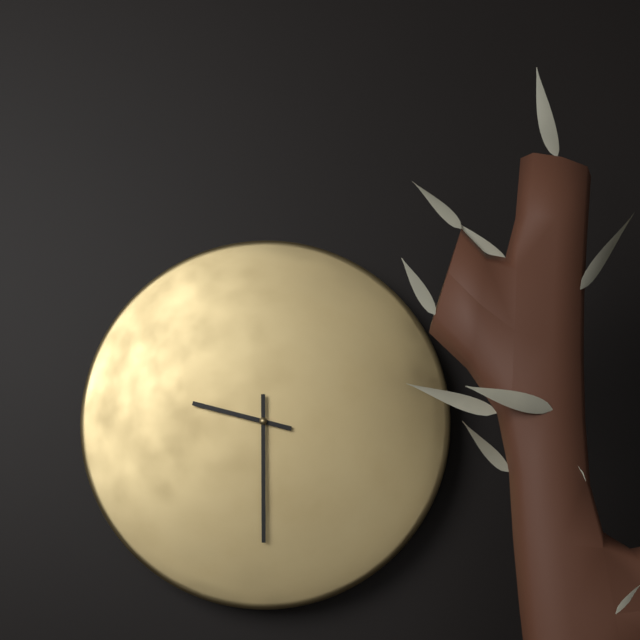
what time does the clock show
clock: 9:30
